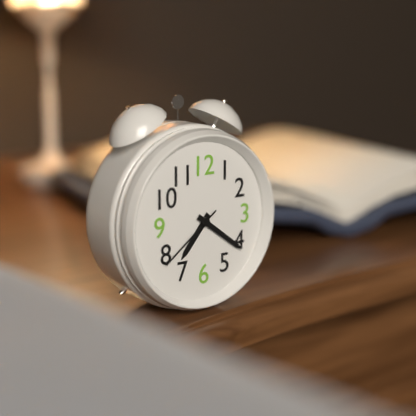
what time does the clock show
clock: 7:21:39
